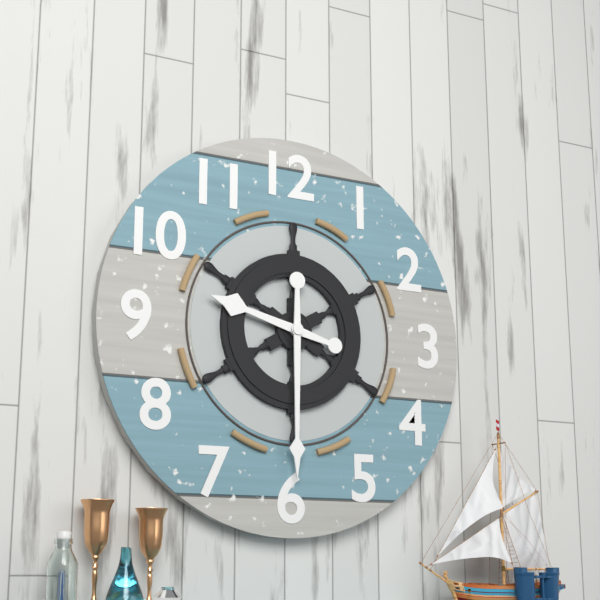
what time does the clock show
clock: 9:30
